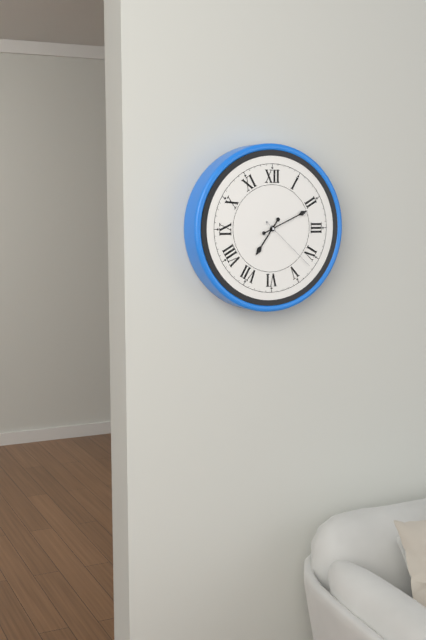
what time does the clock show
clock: 7:11:22
